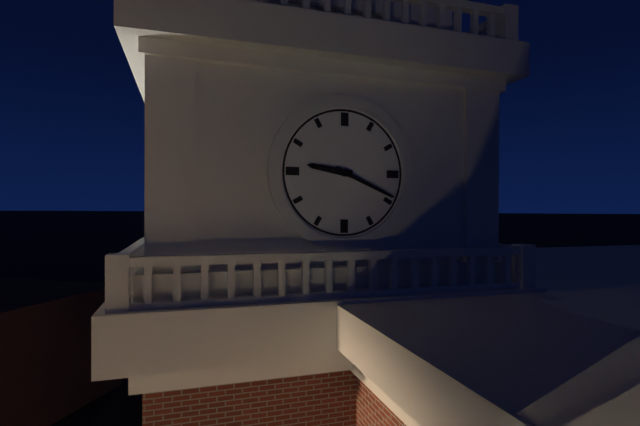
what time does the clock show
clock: 9:19
